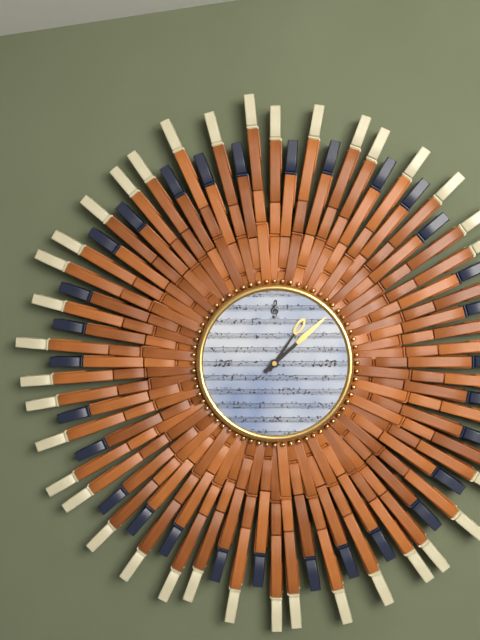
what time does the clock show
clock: 1:08
